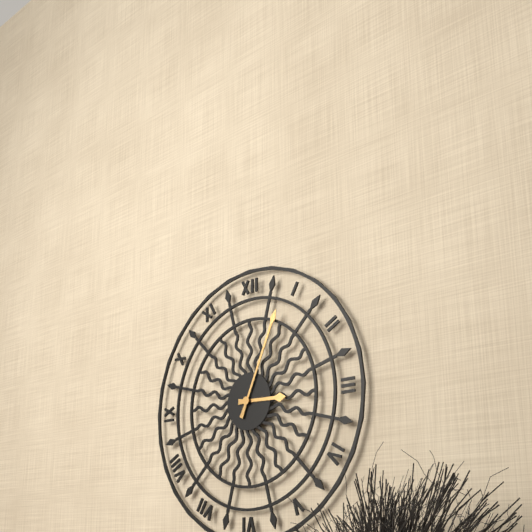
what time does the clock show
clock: 3:04
